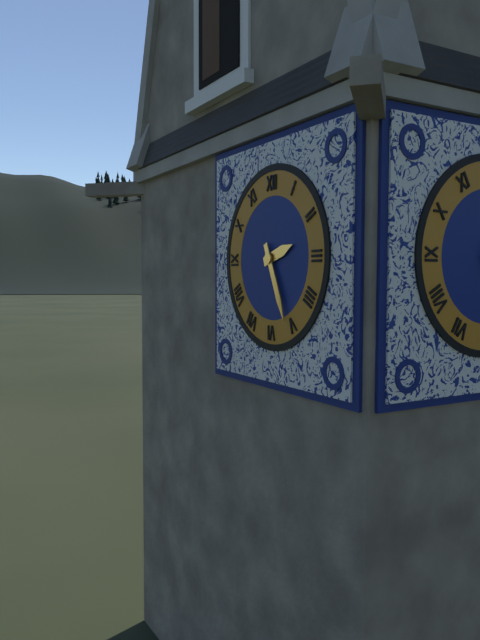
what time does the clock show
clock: 2:26
